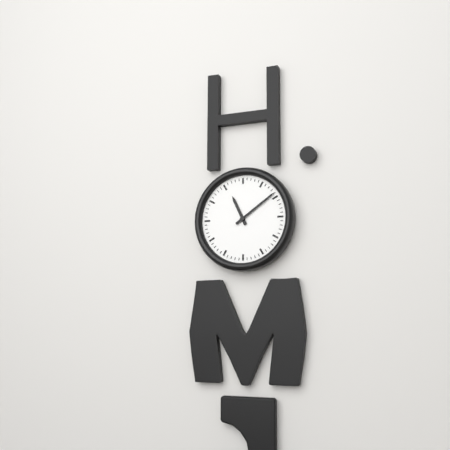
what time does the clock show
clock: 11:09
